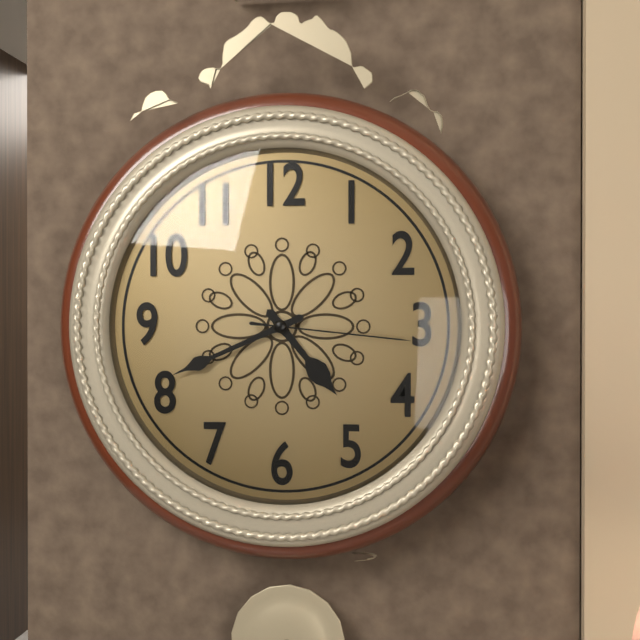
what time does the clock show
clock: 4:41:16
